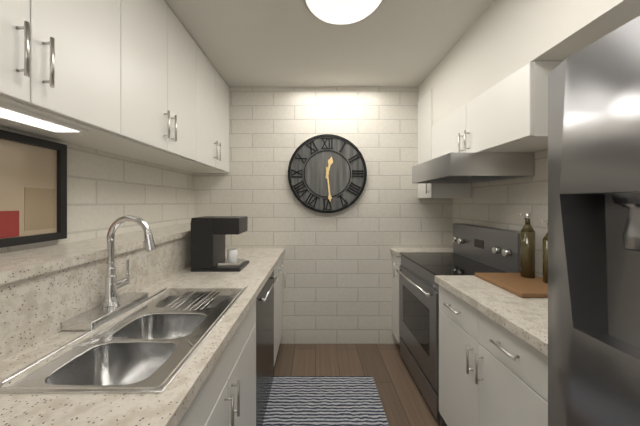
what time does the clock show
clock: 12:29
